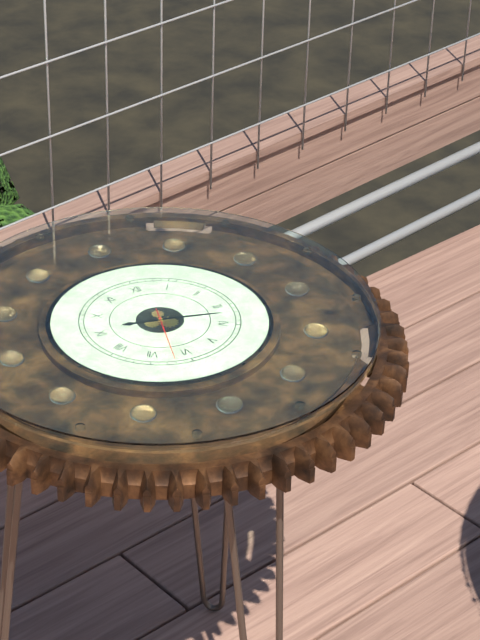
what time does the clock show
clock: 9:17:32
